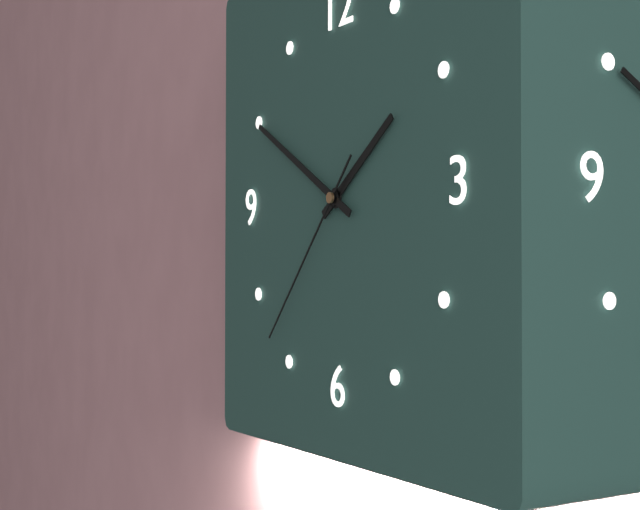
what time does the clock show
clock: 1:50:37
